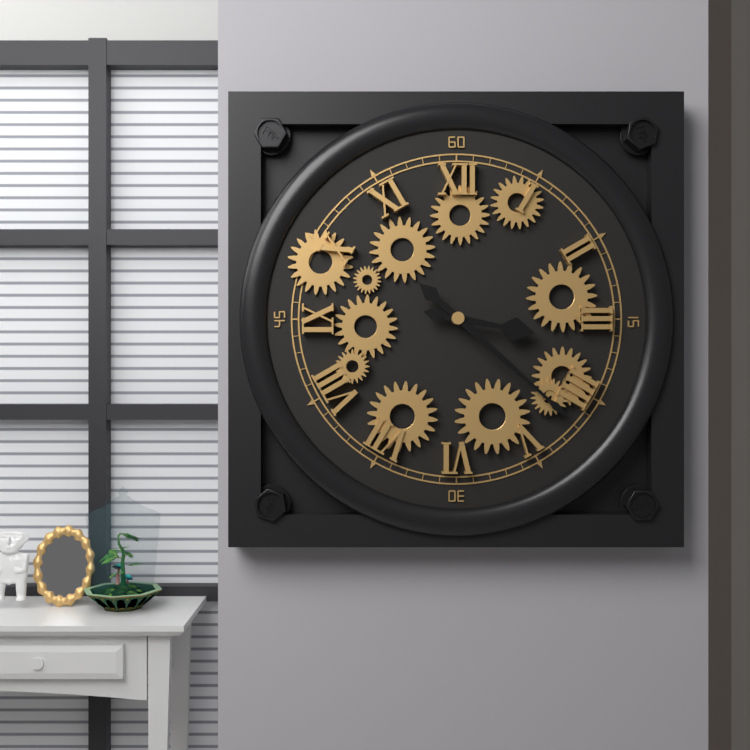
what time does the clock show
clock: 3:22
